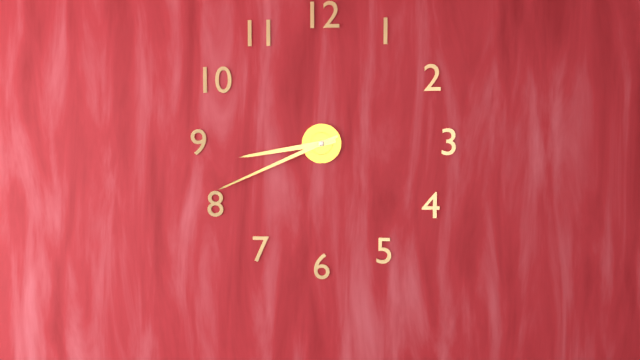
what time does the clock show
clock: 8:41
